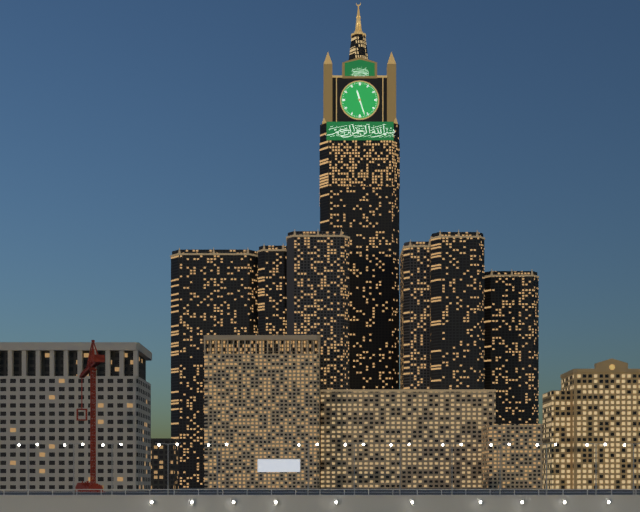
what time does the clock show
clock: 11:27
